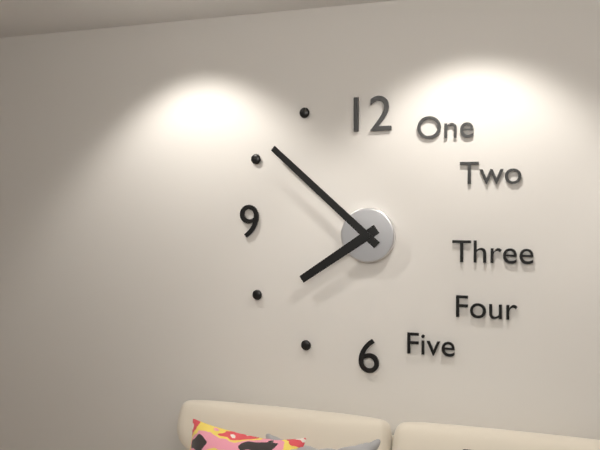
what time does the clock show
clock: 7:52
